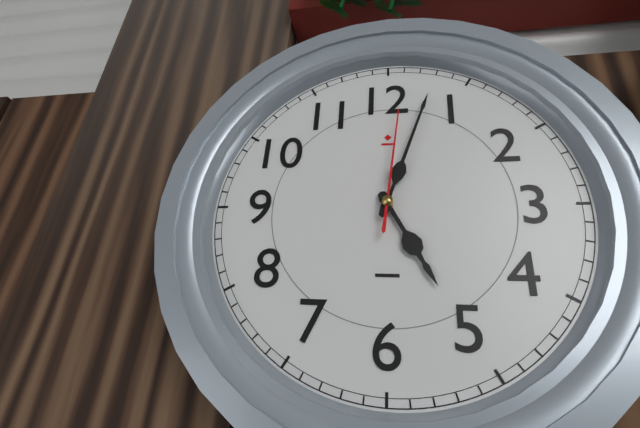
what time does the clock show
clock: 5:03:01
